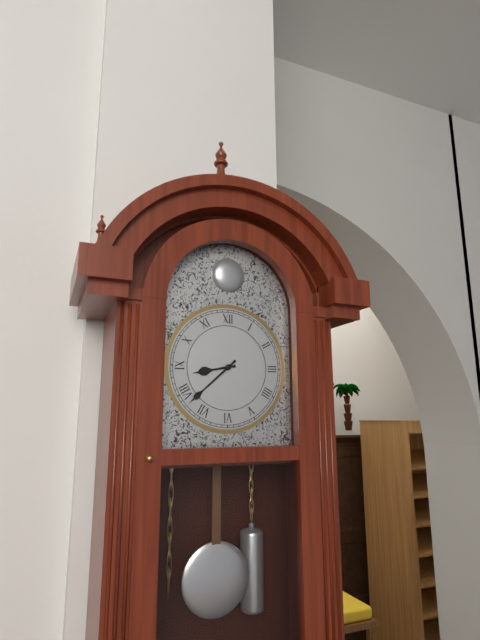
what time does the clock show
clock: 8:38
